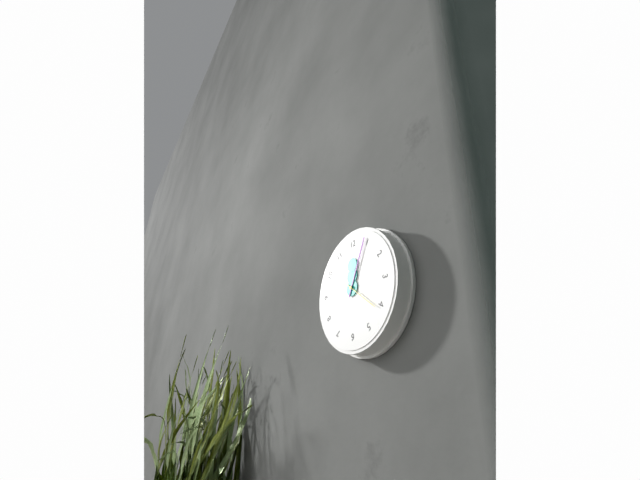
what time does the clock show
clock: 12:04
